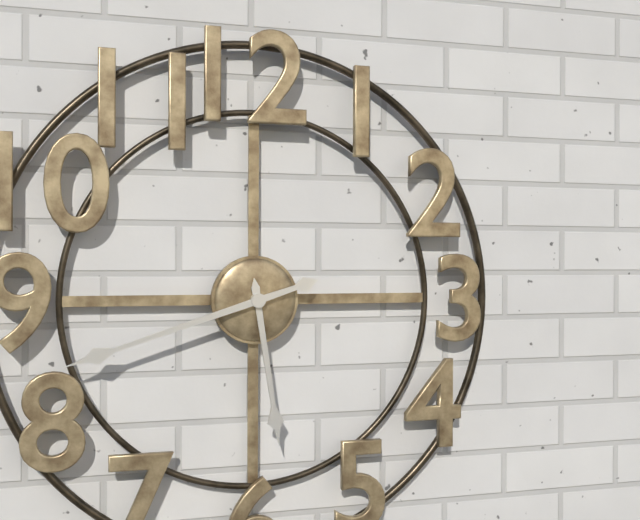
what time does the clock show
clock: 5:42
